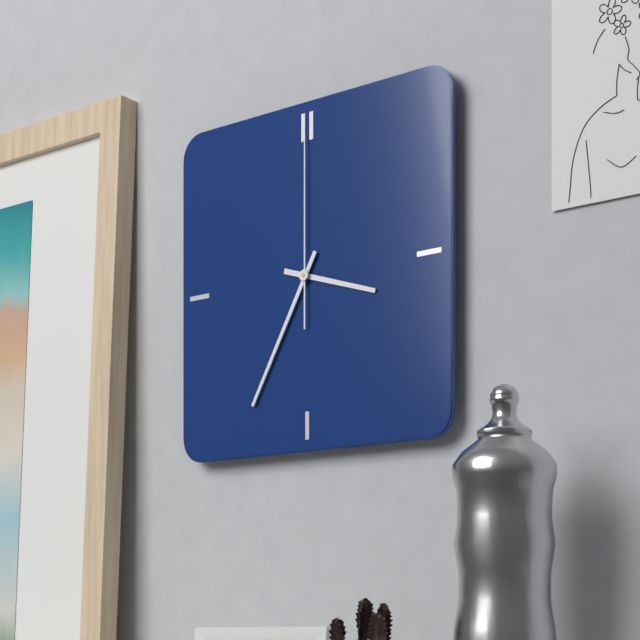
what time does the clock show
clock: 3:35:00
